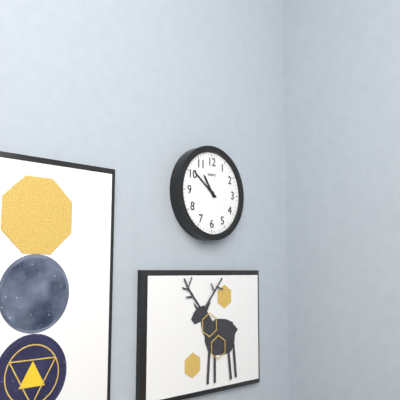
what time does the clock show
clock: 10:51
